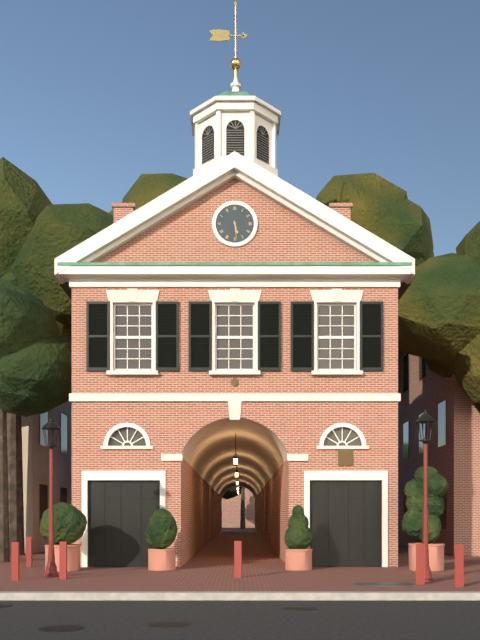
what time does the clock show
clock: 5:29
